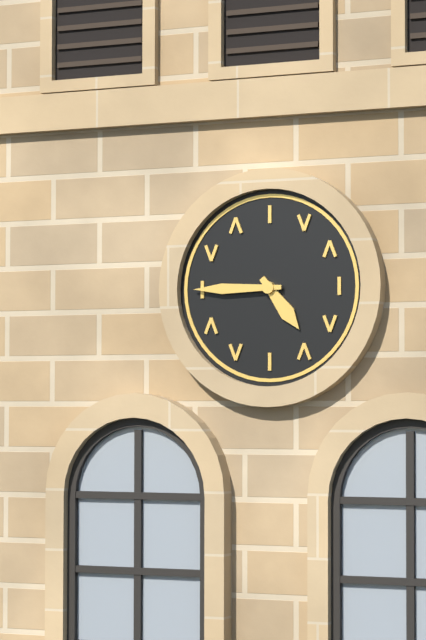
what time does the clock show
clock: 4:45
